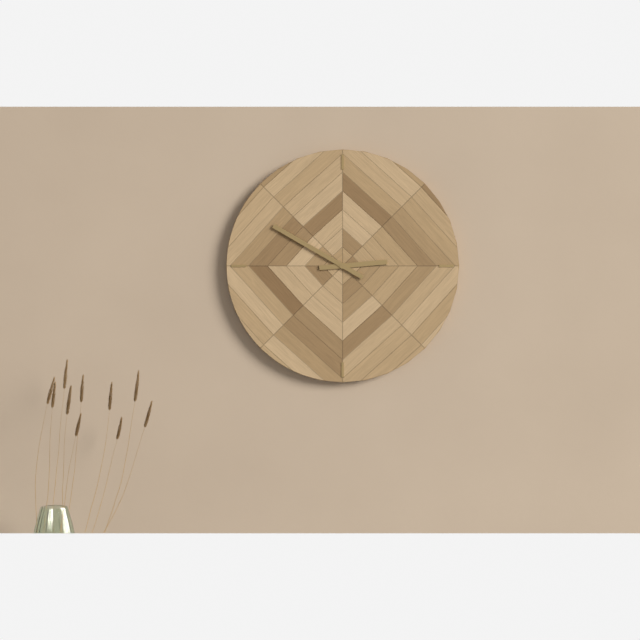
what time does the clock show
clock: 2:50
